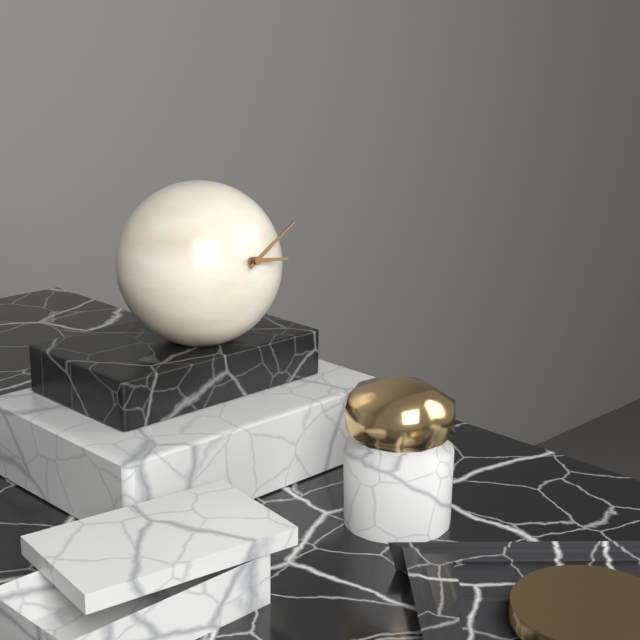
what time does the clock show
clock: 3:10
